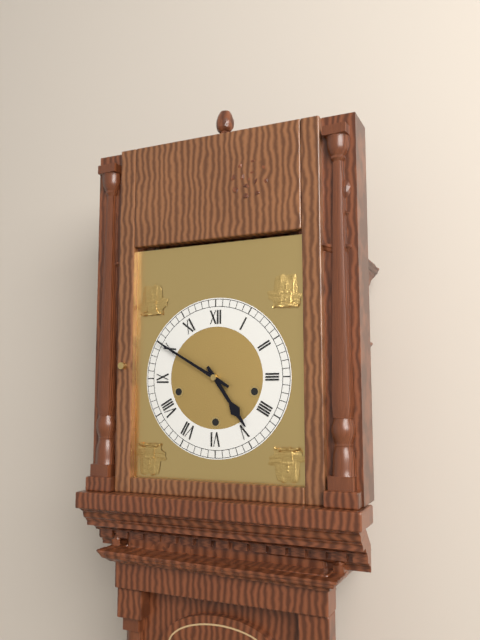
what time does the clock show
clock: 4:50
